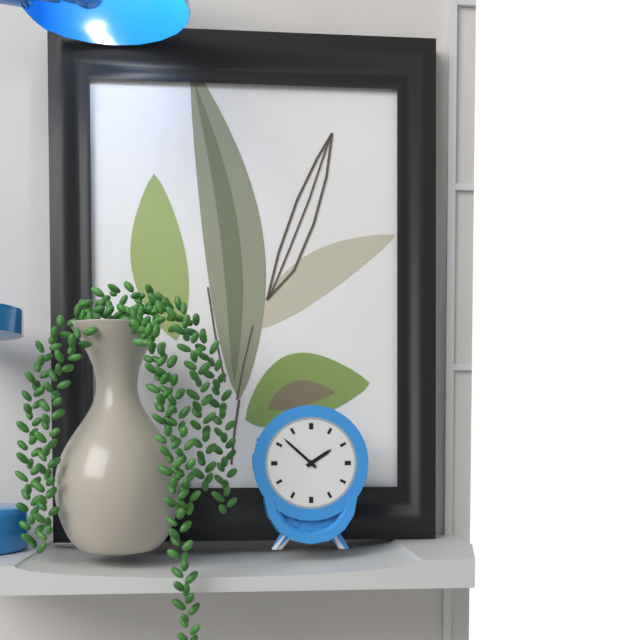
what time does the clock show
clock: 1:52
